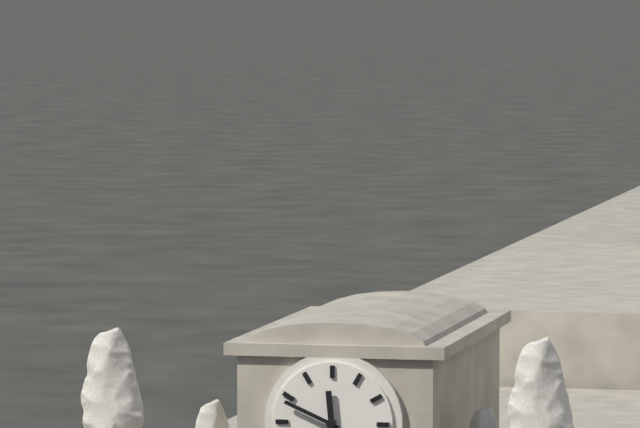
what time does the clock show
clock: 11:49
